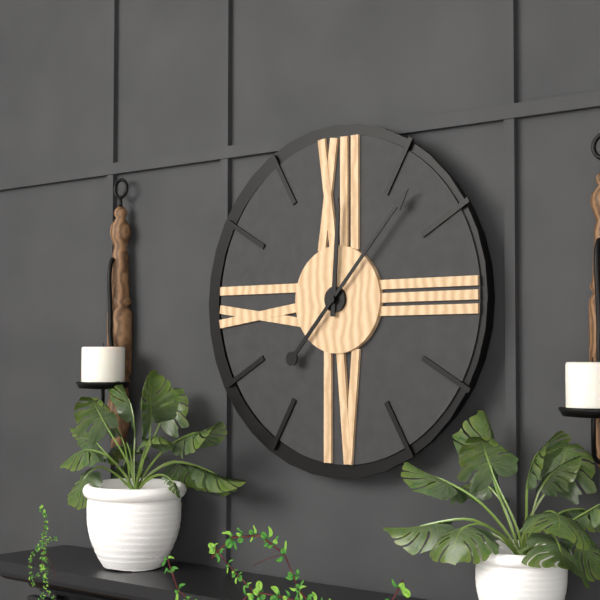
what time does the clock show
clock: 12:07
